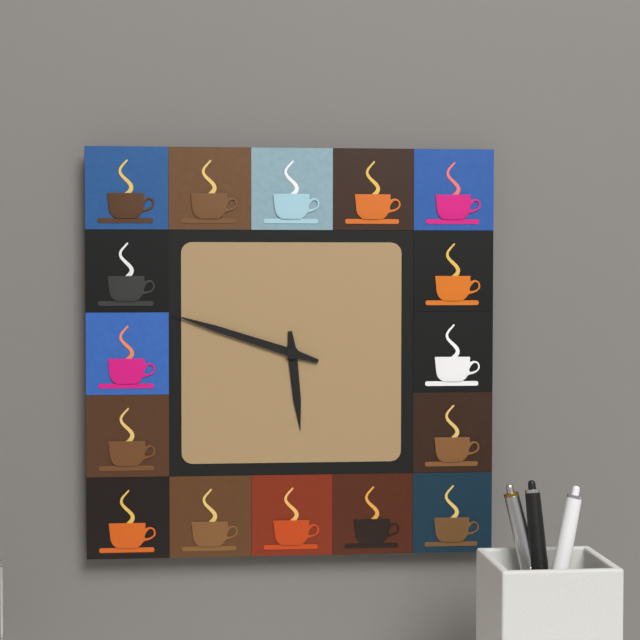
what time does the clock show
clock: 5:48
